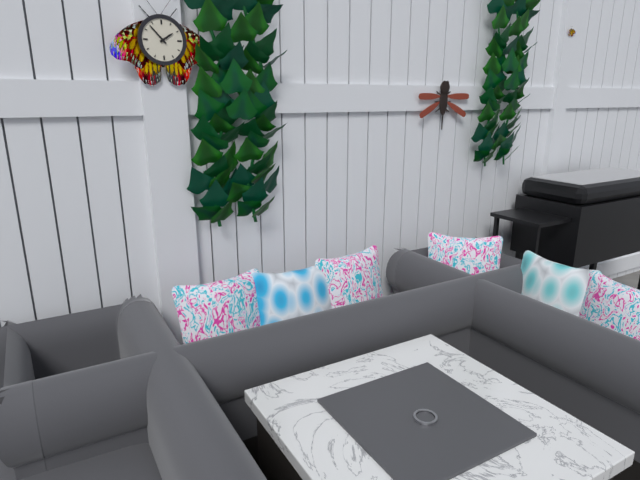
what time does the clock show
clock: 1:53
